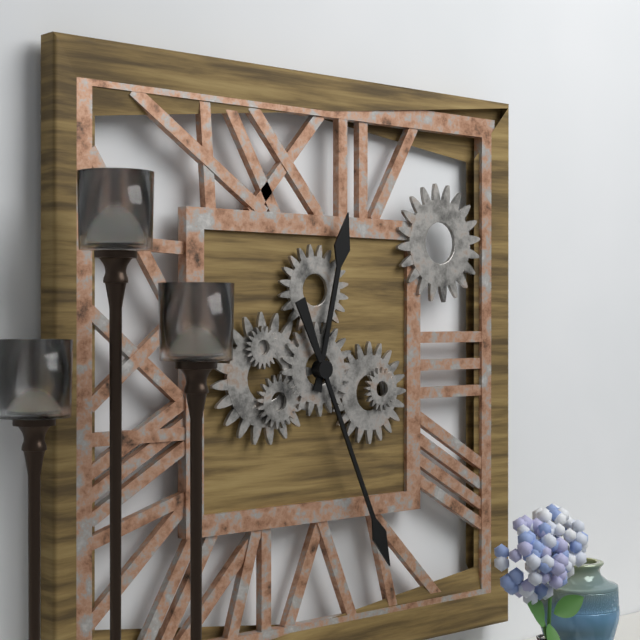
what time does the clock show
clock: 12:26
